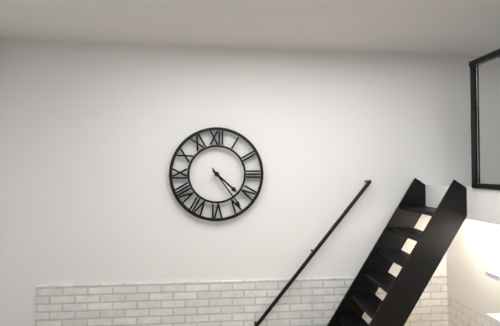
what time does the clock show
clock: 4:24
